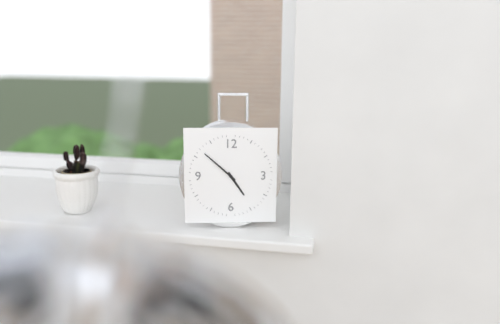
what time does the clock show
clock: 4:52
